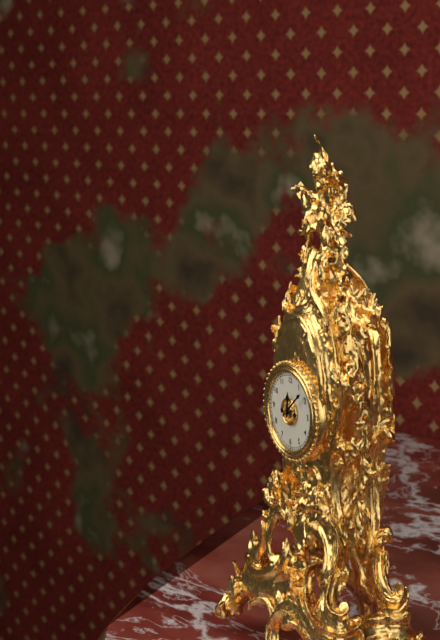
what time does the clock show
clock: 12:08
